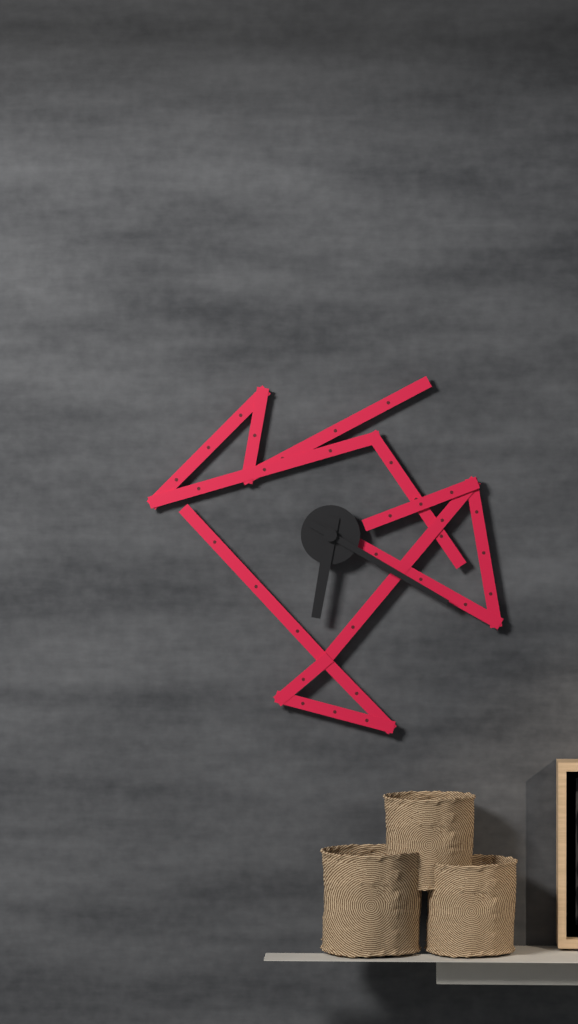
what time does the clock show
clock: 6:20
